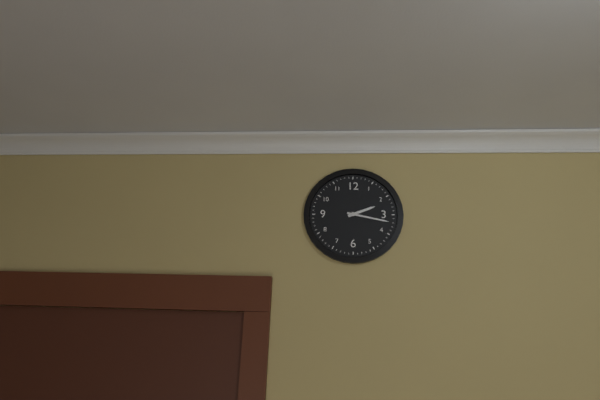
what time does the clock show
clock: 2:17
